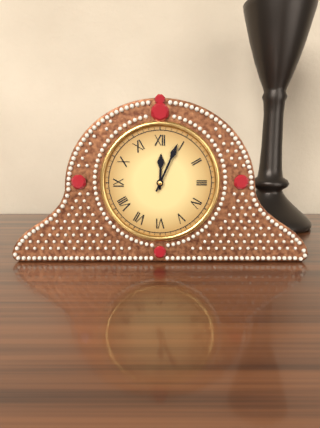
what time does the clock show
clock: 12:04
